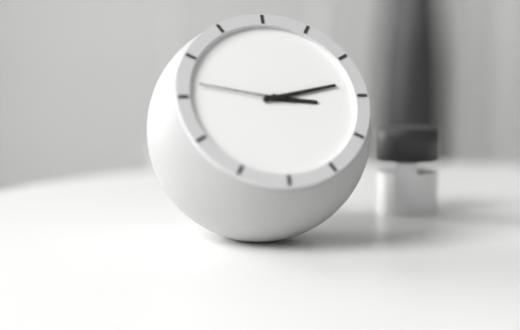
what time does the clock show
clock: 3:13:47
